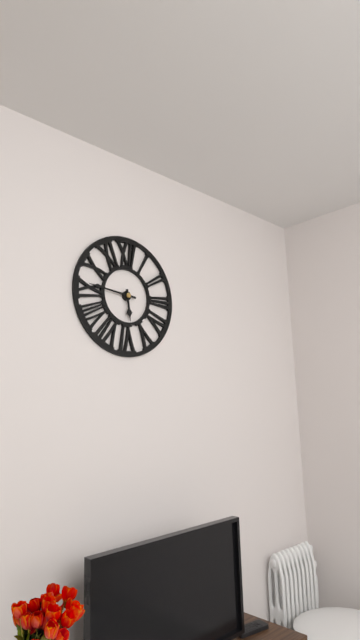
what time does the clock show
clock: 5:46
